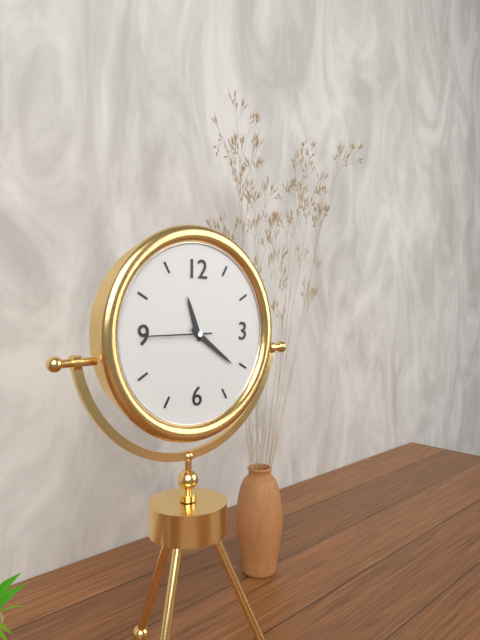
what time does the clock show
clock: 11:21:45
